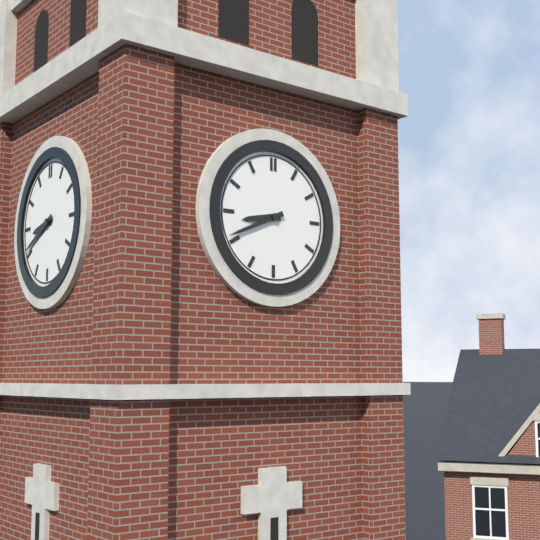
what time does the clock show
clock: 8:41
